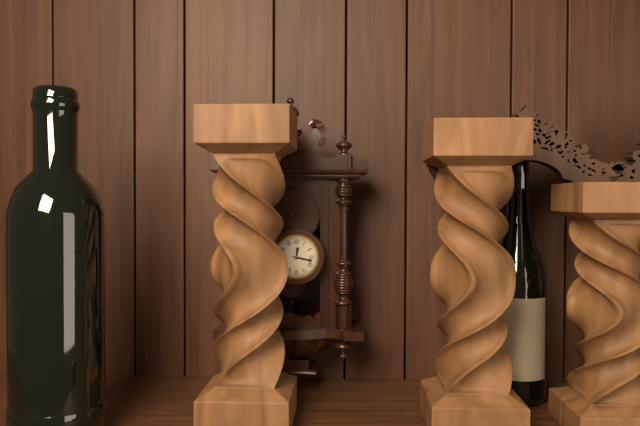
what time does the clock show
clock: 12:17
